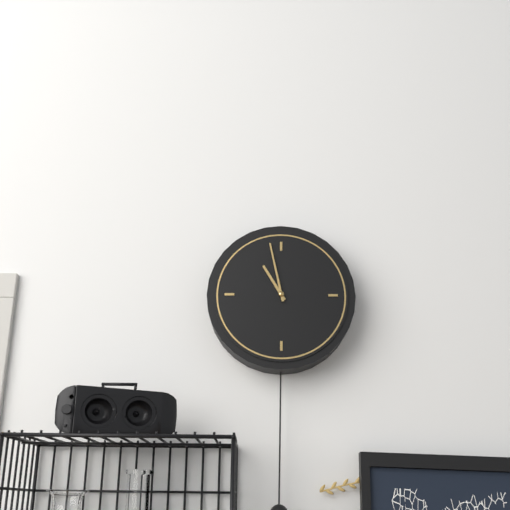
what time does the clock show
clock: 10:58
